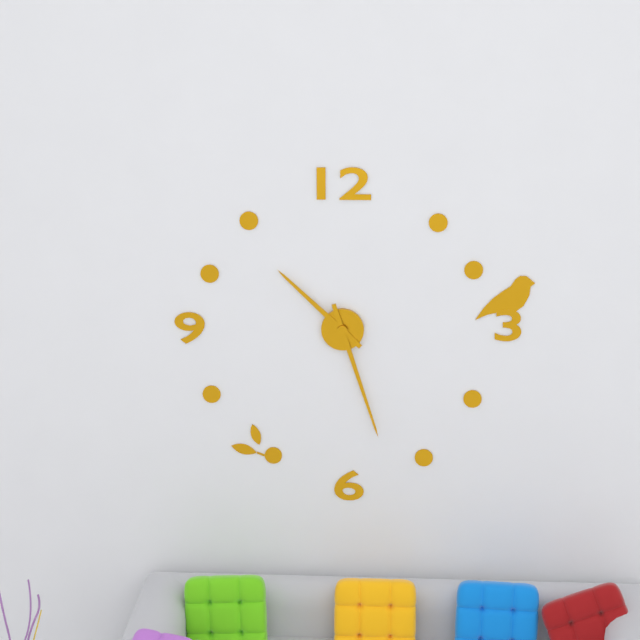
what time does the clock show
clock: 10:27
